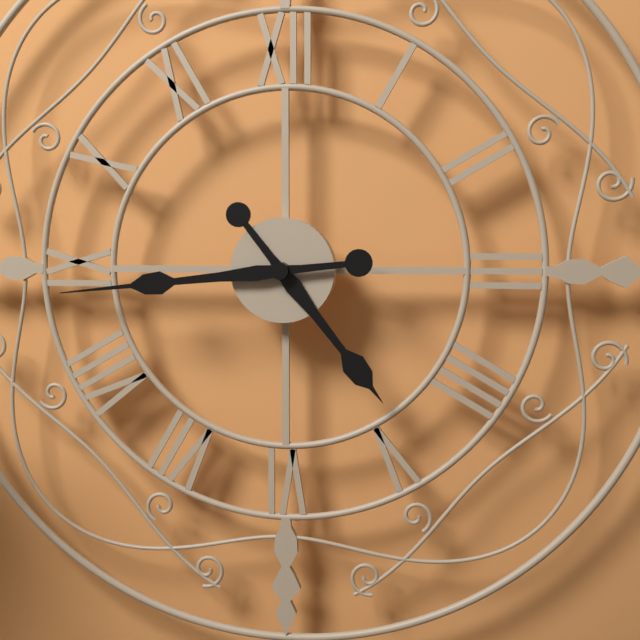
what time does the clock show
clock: 4:44
